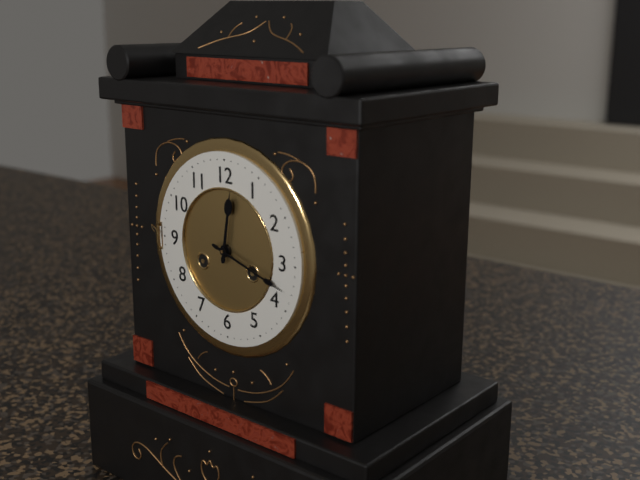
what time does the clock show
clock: 12:18
